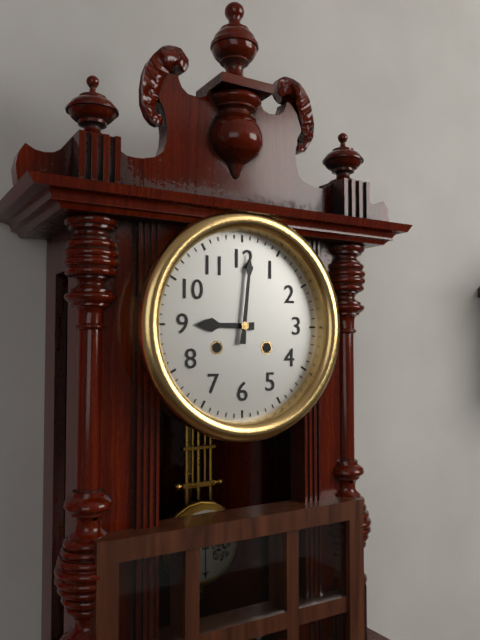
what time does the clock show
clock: 9:01
